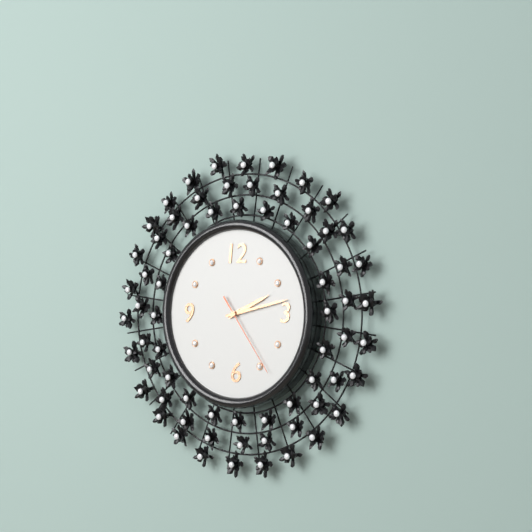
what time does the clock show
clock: 2:13:24
